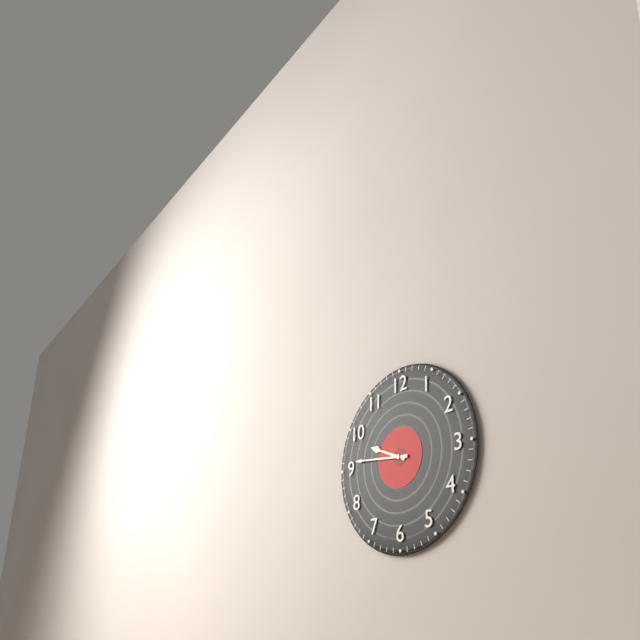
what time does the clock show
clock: 9:46
